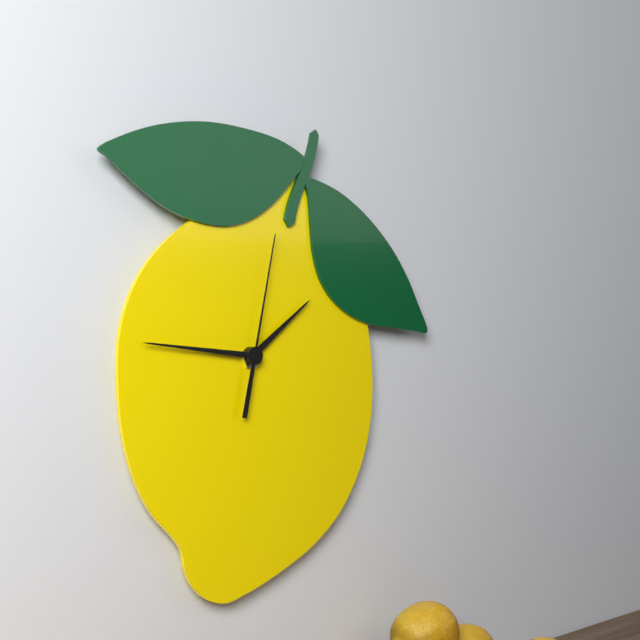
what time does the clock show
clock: 1:46:02
